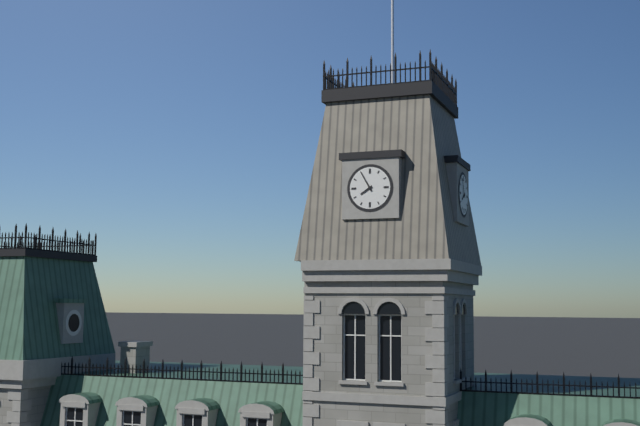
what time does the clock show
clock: 7:55
